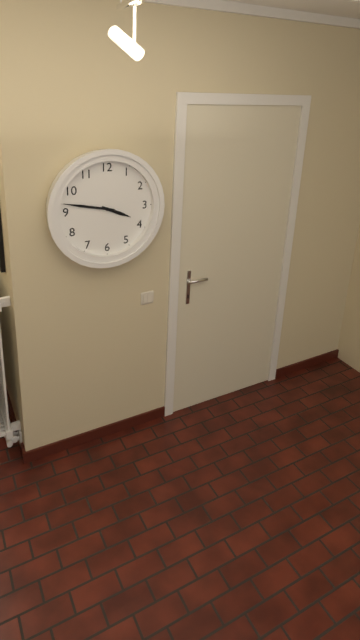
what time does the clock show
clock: 3:47
